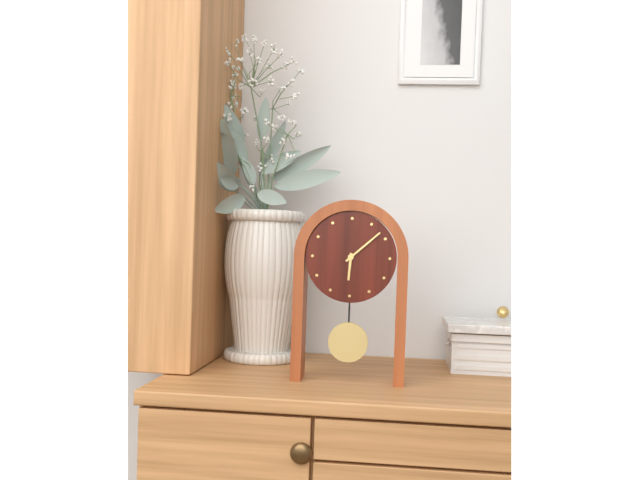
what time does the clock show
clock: 6:08
